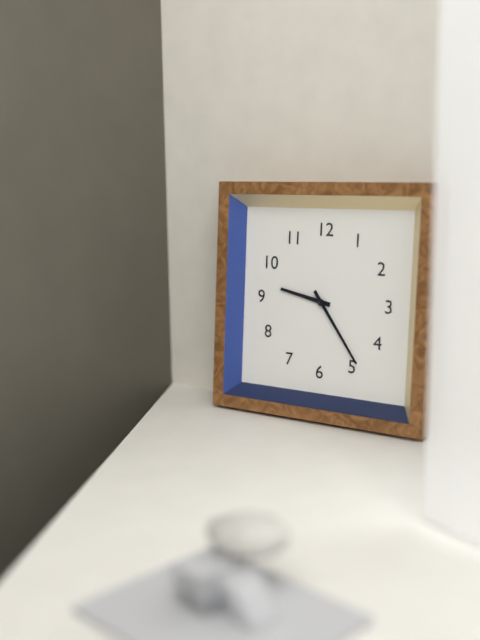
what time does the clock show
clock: 9:24
